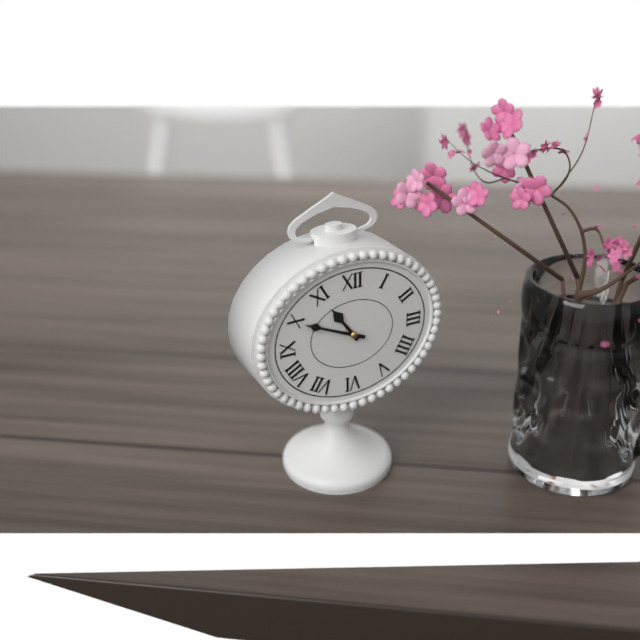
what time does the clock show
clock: 10:49
